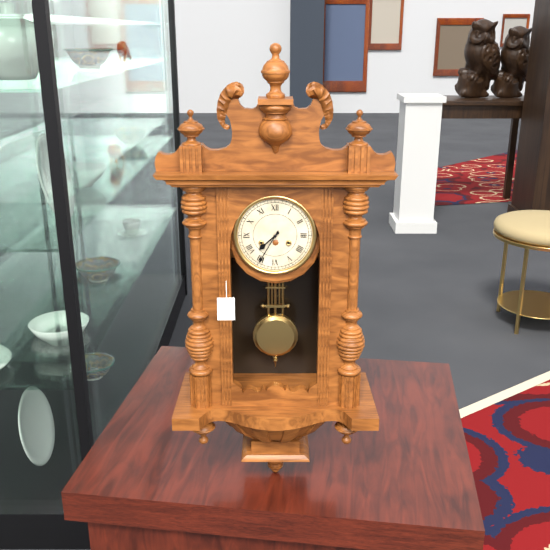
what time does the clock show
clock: 7:35
